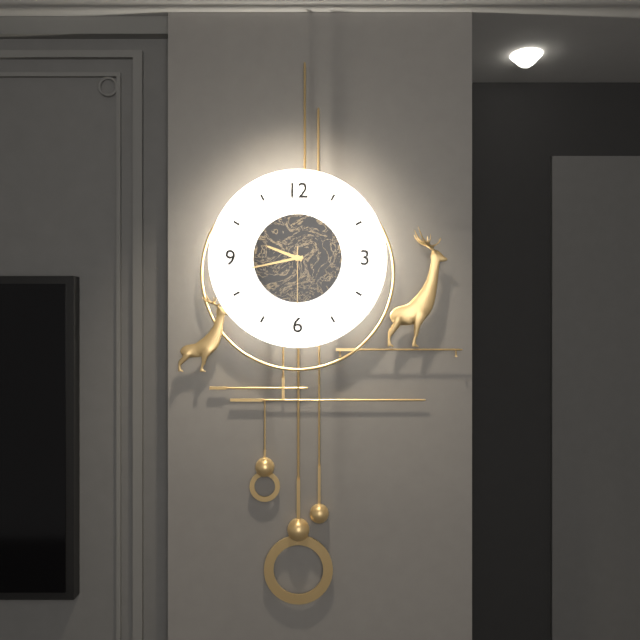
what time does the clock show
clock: 9:43:30
